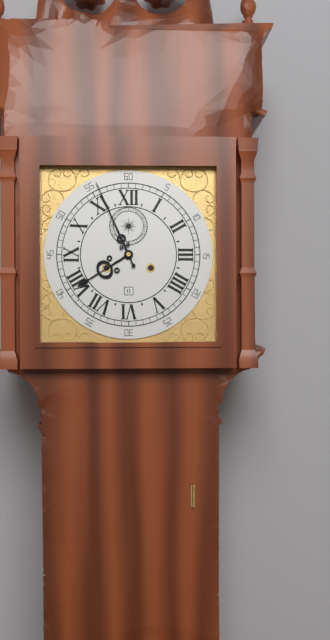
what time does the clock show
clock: 7:56
